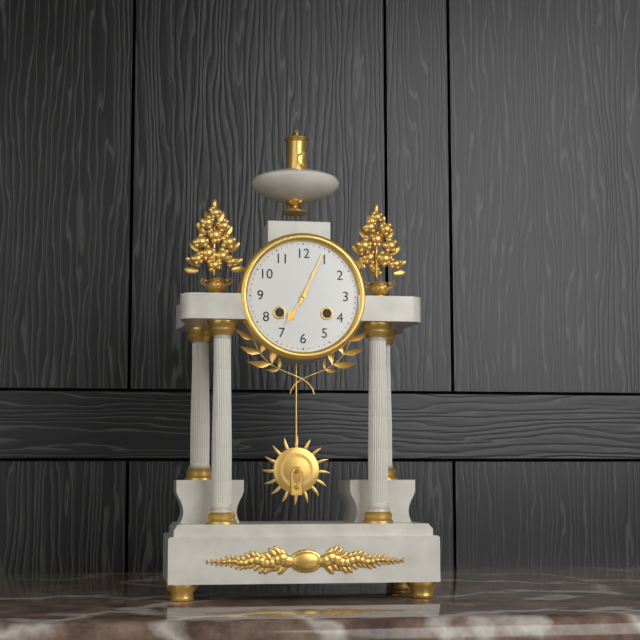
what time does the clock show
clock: 7:04
